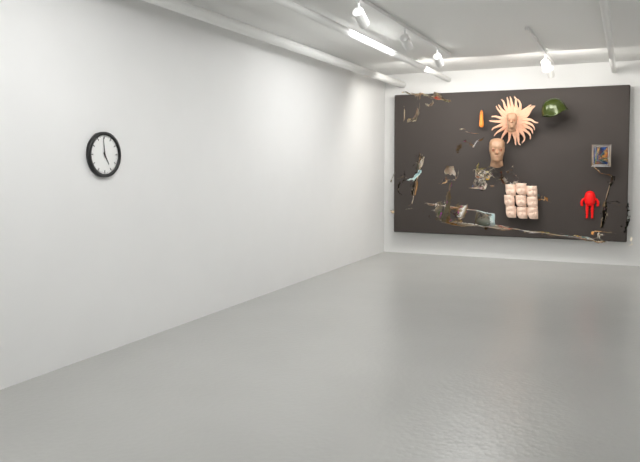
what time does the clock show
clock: 4:59
